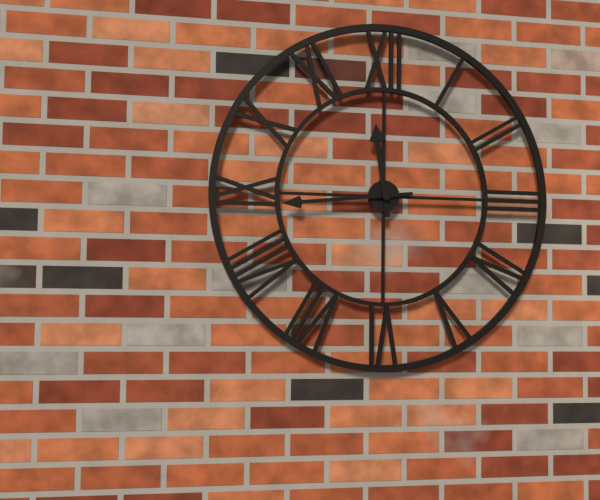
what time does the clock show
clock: 11:44
